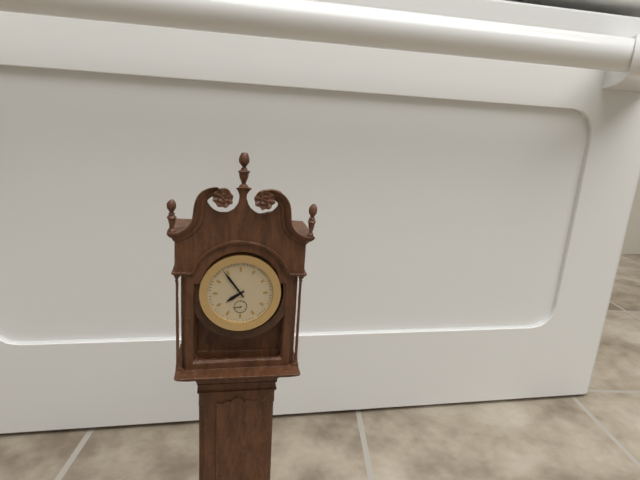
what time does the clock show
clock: 7:54
